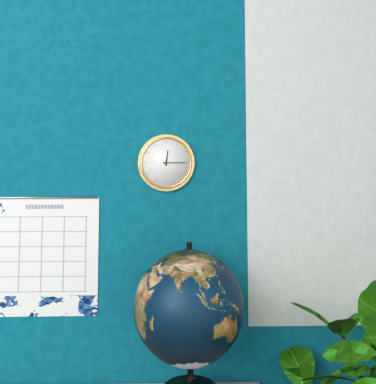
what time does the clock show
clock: 12:15
